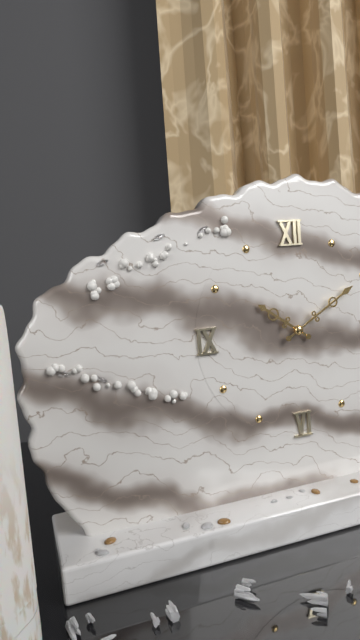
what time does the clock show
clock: 10:10
